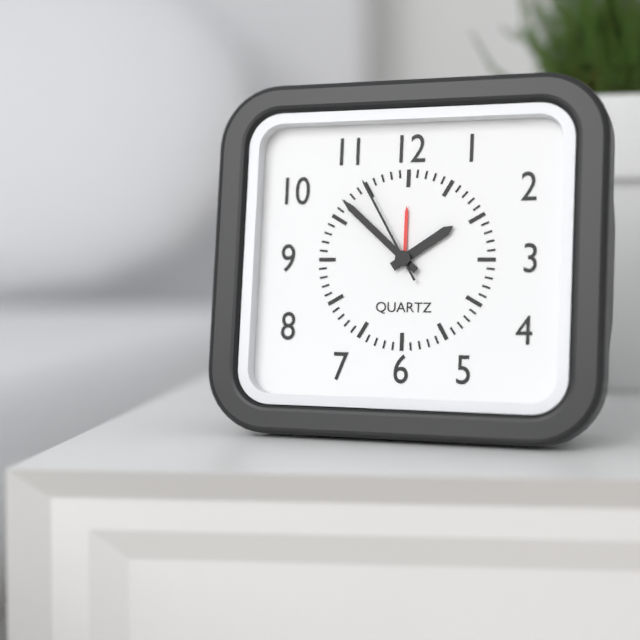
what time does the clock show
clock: 1:52:55
